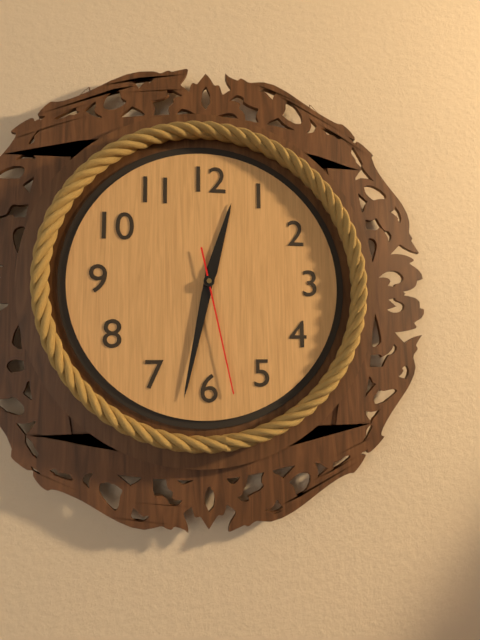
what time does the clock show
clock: 12:32:28
